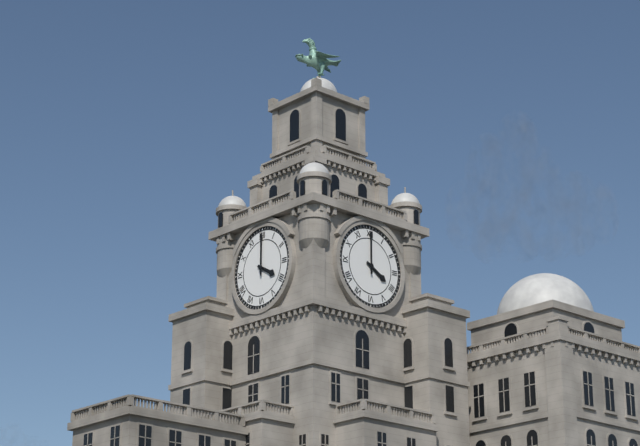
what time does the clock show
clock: 4:00
